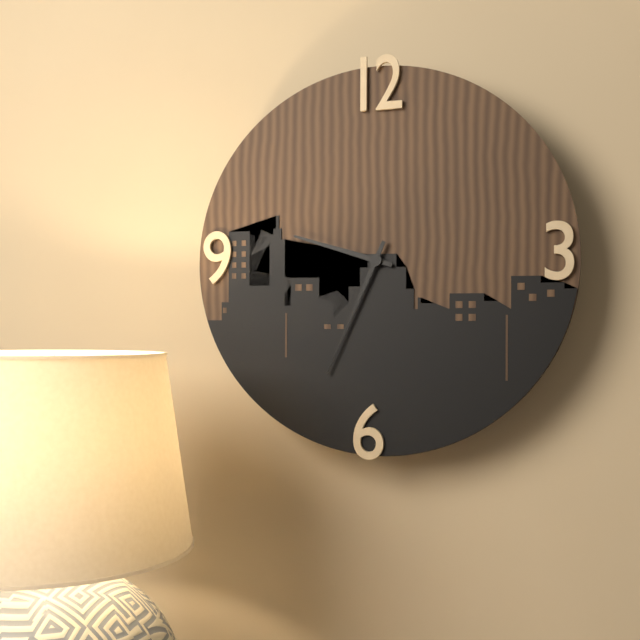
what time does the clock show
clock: 9:34
